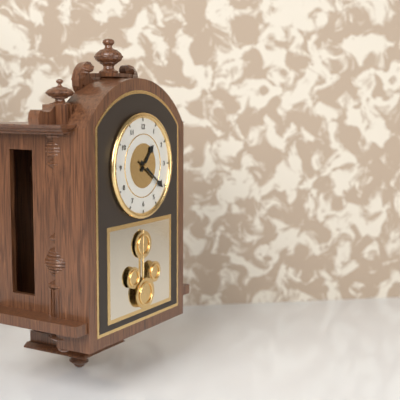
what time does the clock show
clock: 1:21
